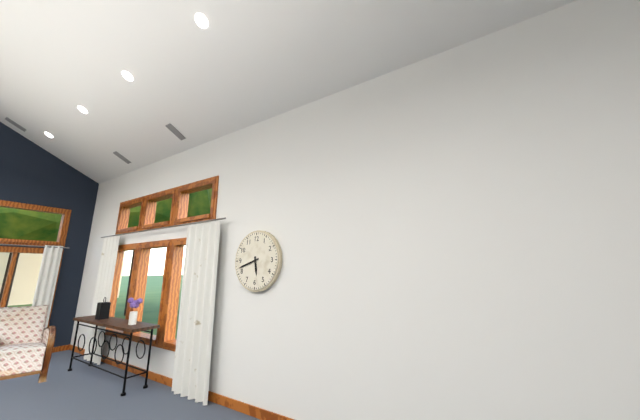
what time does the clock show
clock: 5:42
